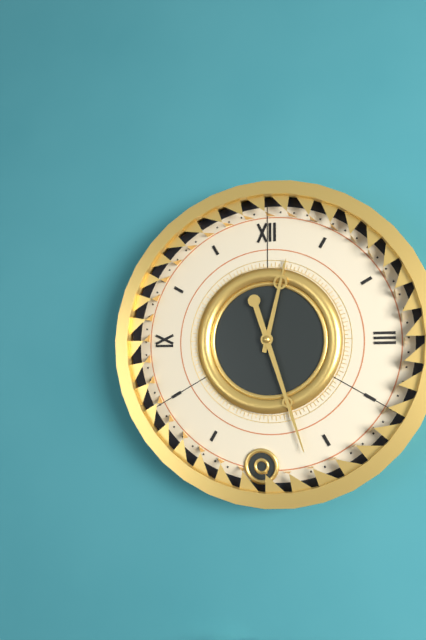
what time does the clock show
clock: 12:27
